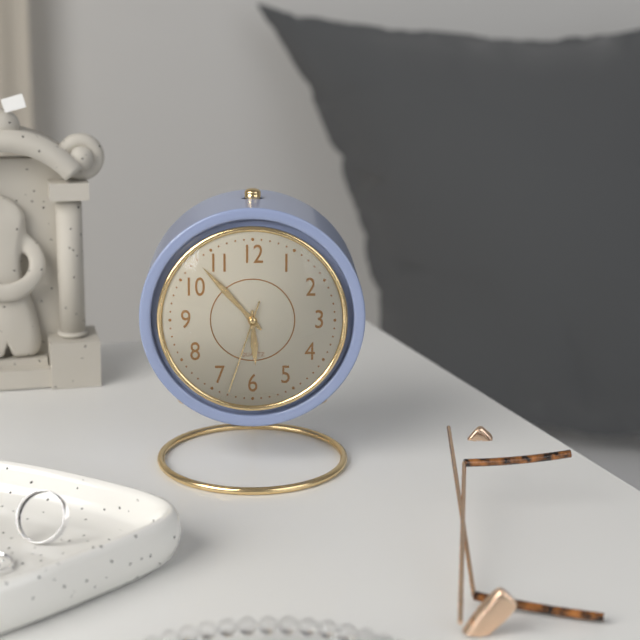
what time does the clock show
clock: 5:53:33
